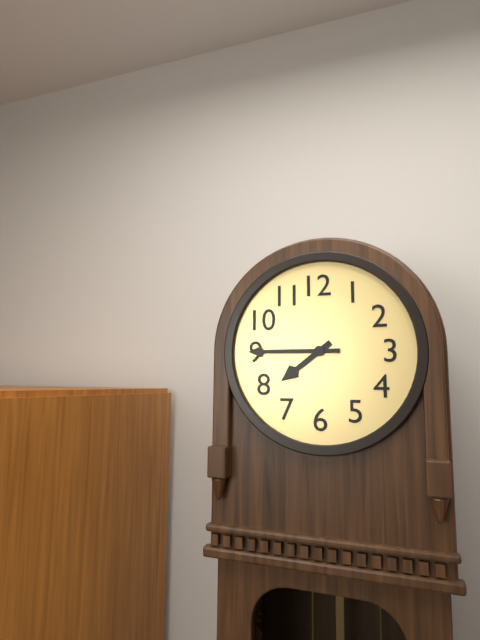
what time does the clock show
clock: 7:45
